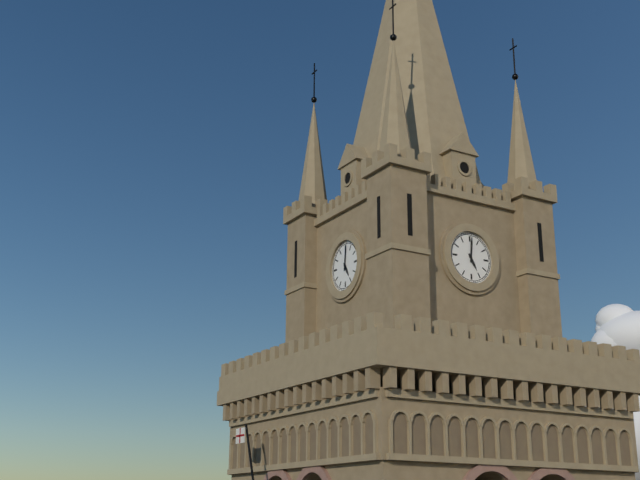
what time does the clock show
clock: 5:01
